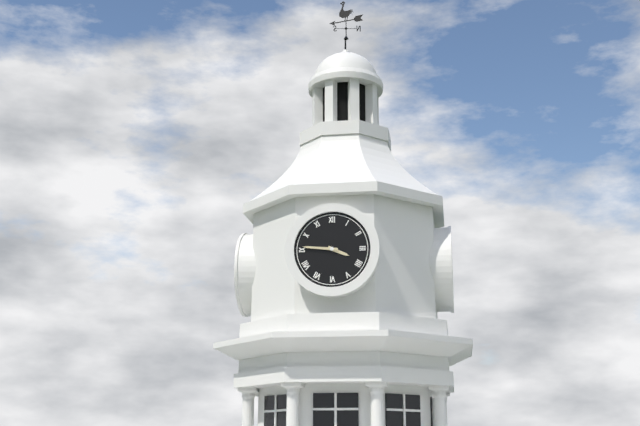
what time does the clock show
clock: 3:46
